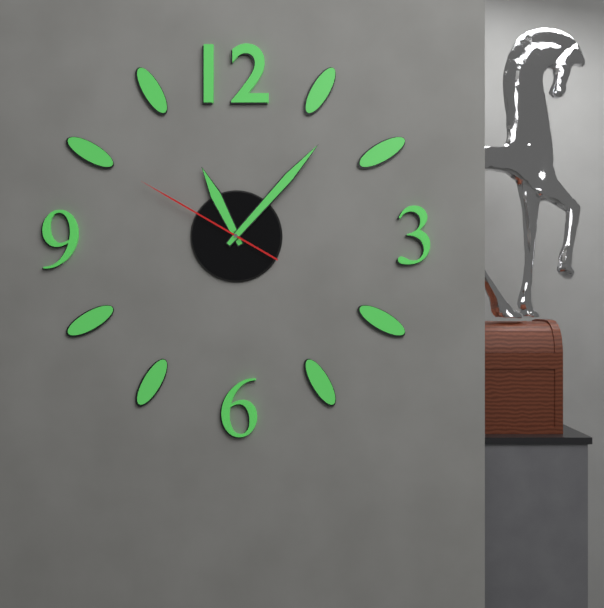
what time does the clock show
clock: 11:07:50
